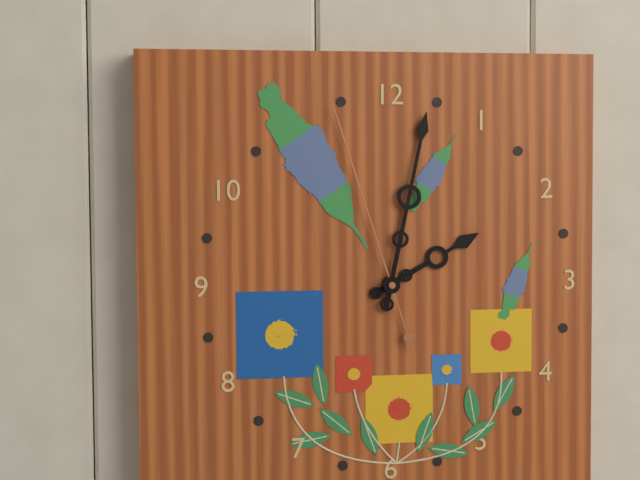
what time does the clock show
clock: 2:02:57
